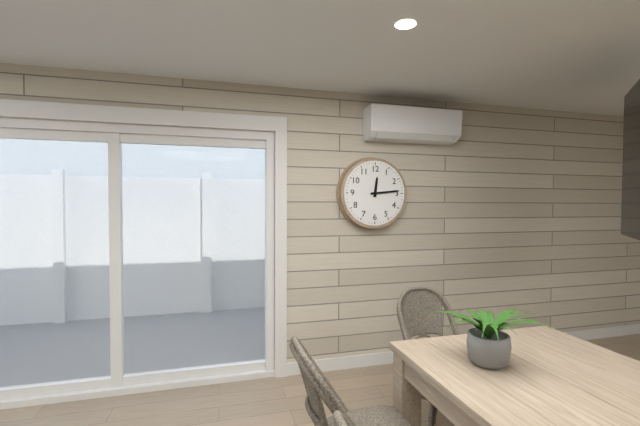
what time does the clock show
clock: 12:14
